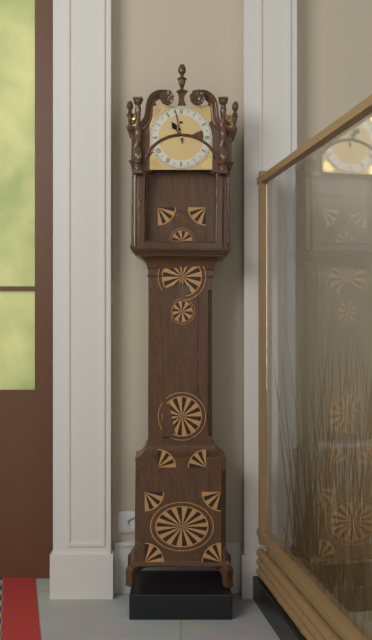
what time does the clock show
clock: 10:58
